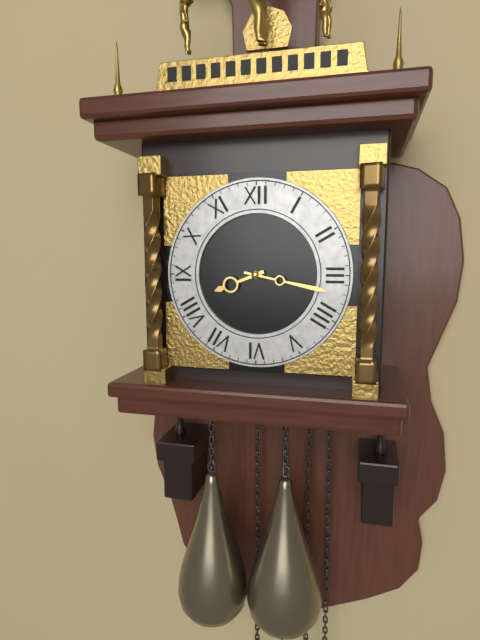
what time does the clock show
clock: 8:17
